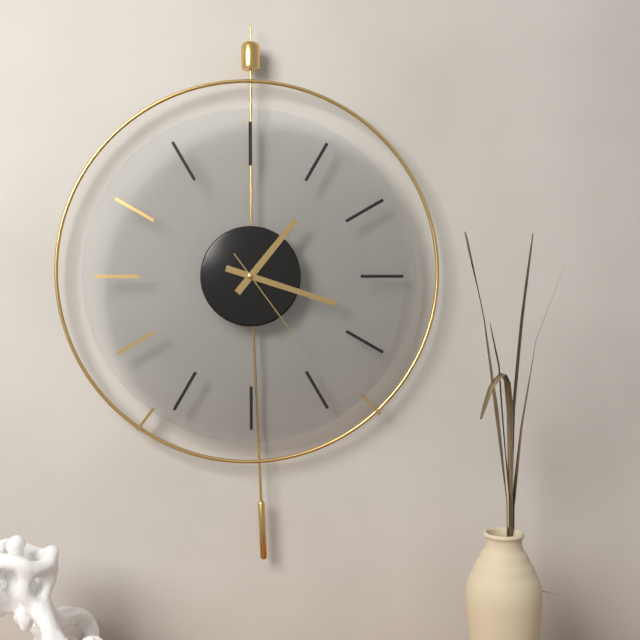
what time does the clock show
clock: 1:18:24
